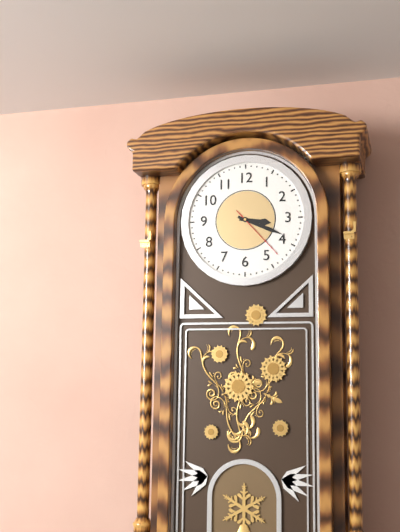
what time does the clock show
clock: 3:19
